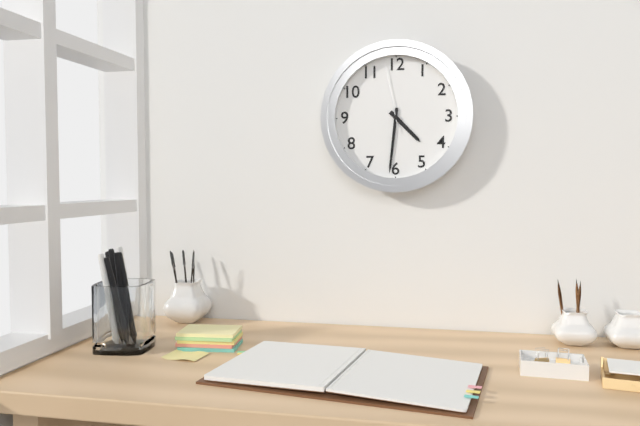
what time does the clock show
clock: 4:31:58
